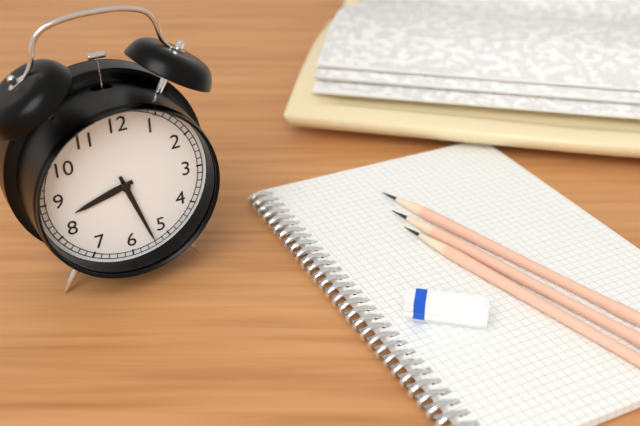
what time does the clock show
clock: 8:27
